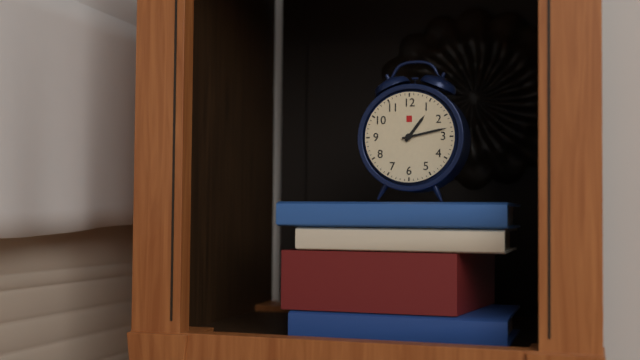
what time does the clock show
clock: 1:13
